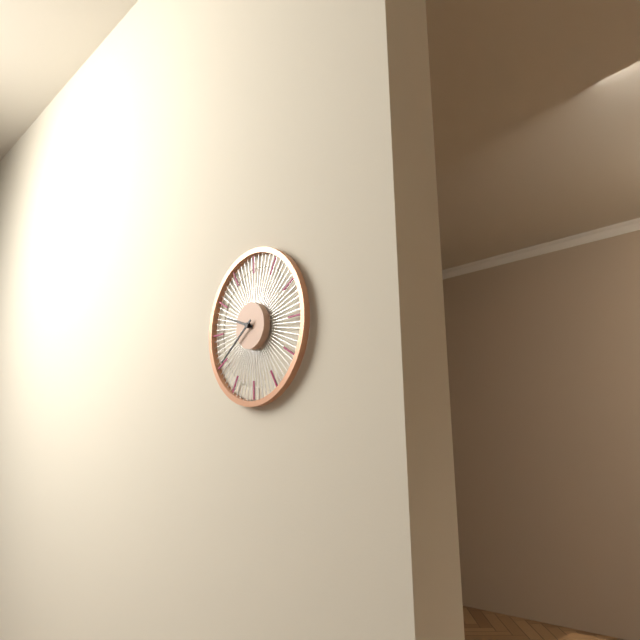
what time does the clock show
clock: 9:39
